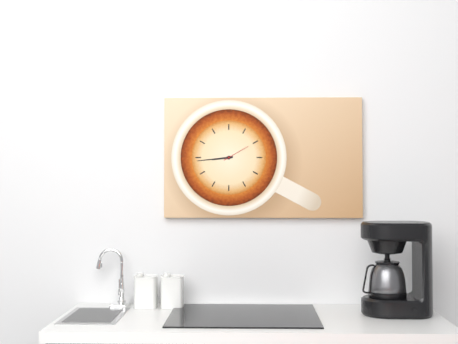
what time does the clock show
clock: 8:44
